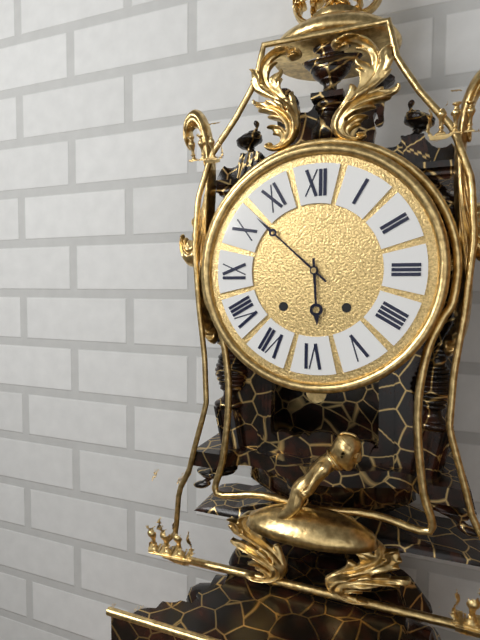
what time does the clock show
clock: 5:52
